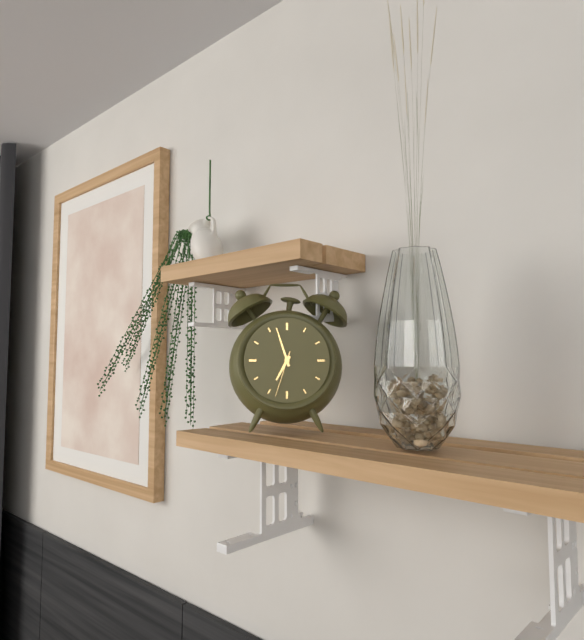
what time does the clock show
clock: 6:57
